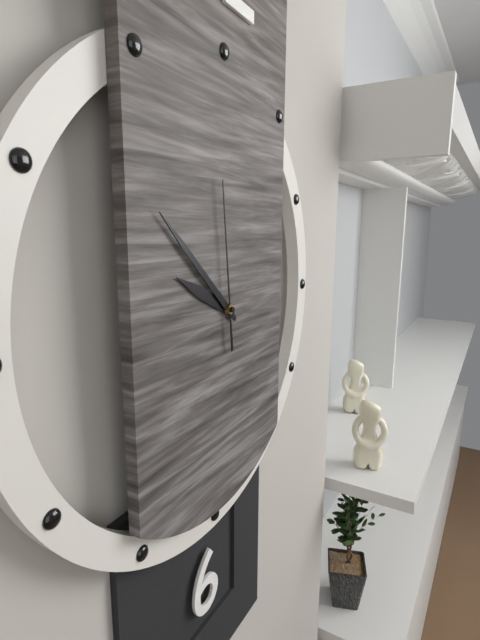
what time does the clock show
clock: 9:52:59
